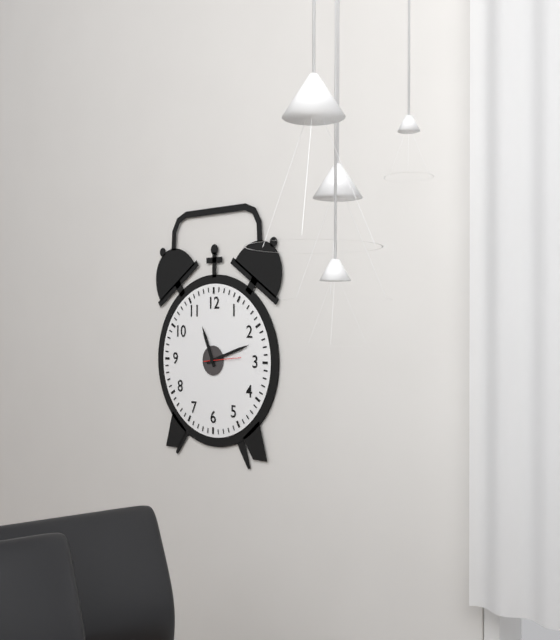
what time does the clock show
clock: 11:12
